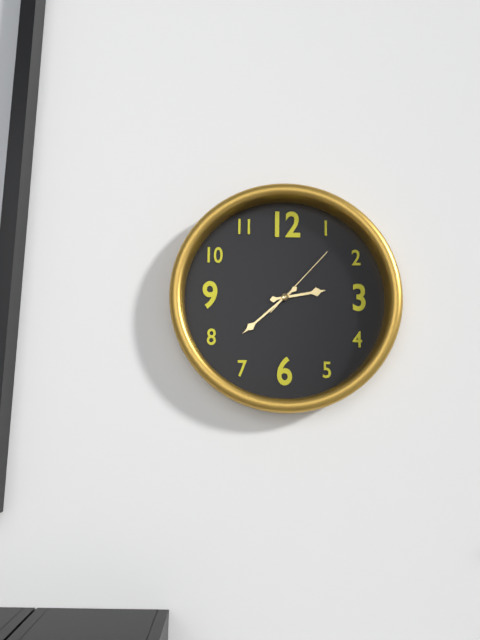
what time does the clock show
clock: 2:38:07
